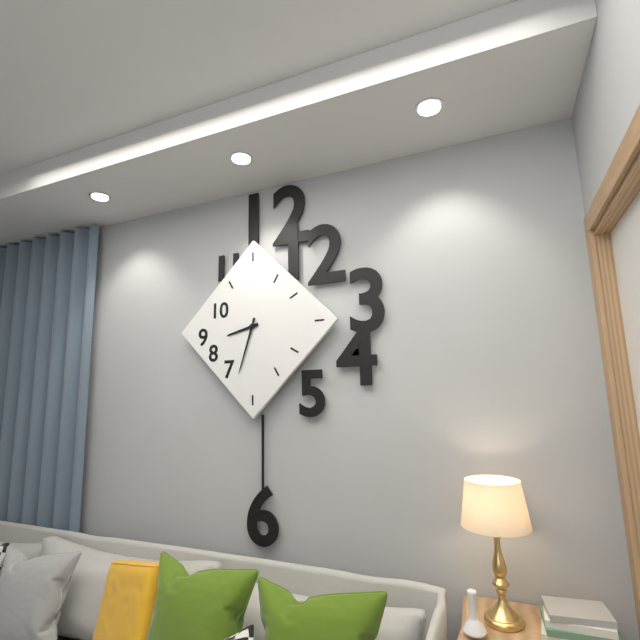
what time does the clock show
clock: 8:33
